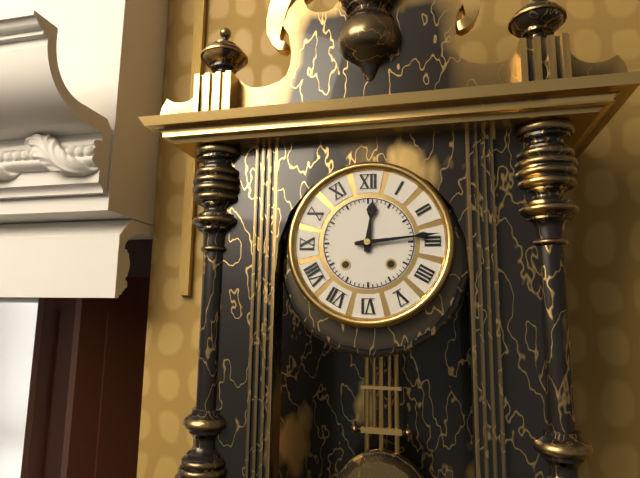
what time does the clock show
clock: 12:14
